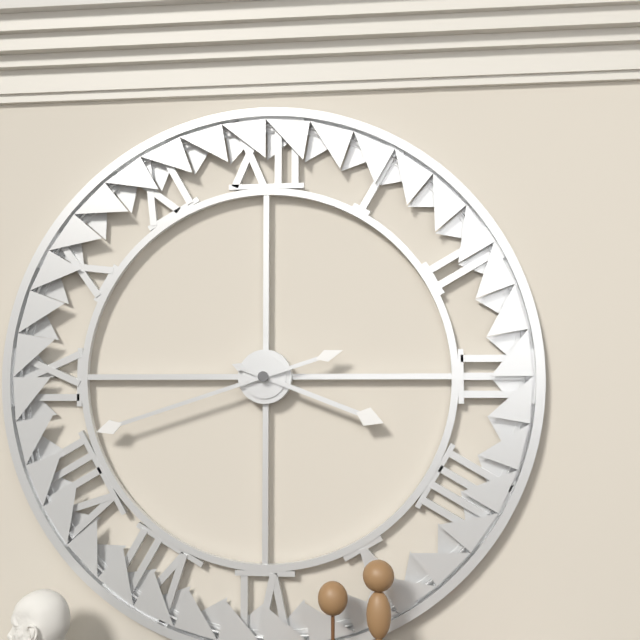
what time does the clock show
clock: 3:42
